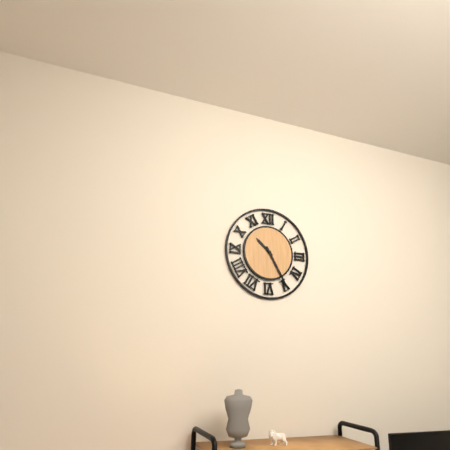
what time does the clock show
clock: 10:25
